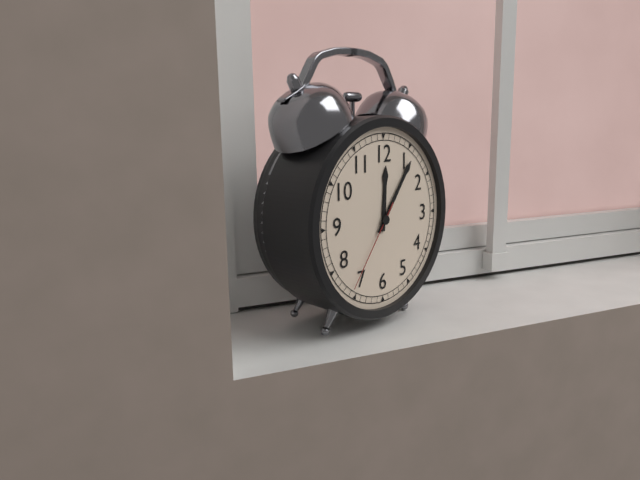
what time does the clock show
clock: 12:06:36
